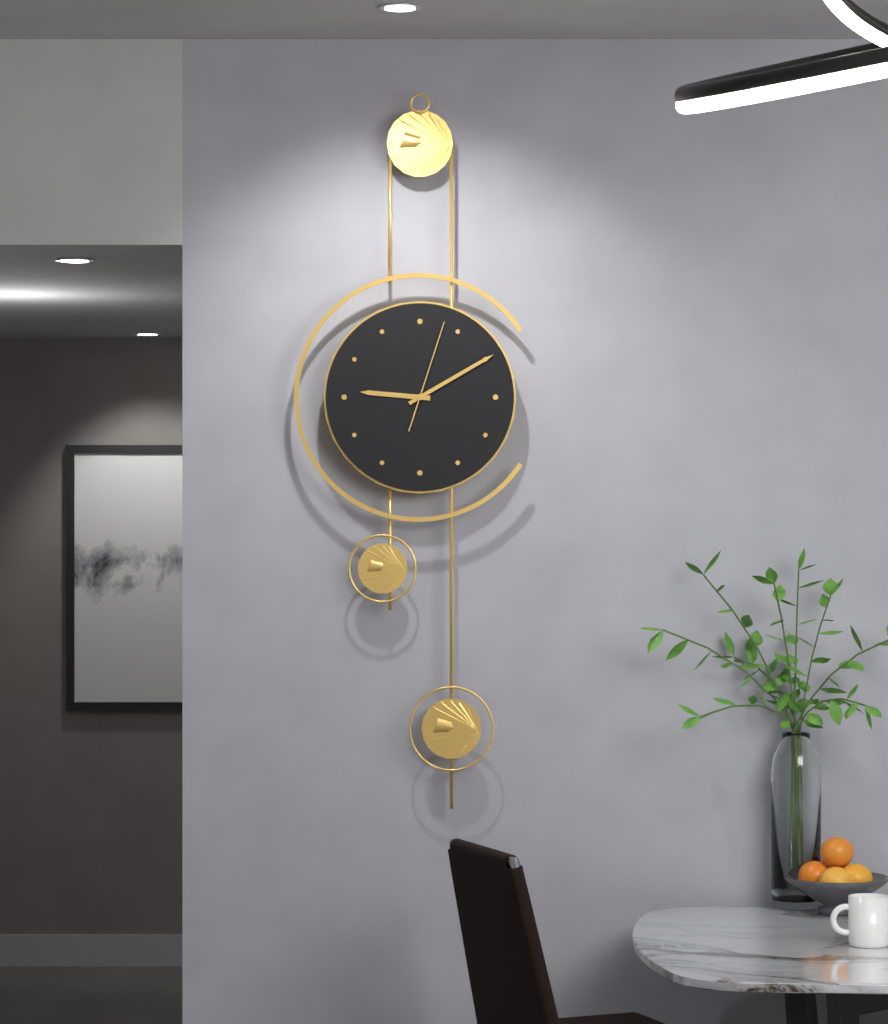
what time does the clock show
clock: 9:10:03
